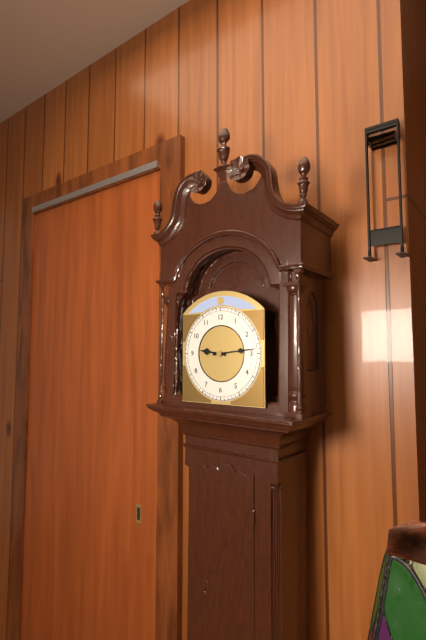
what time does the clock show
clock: 9:14
